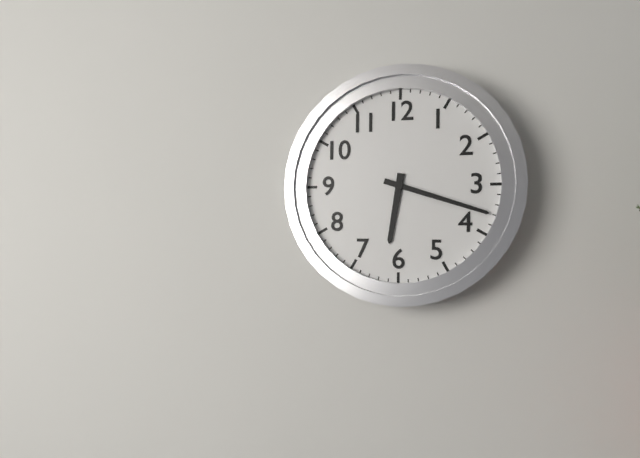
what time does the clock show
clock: 6:18
